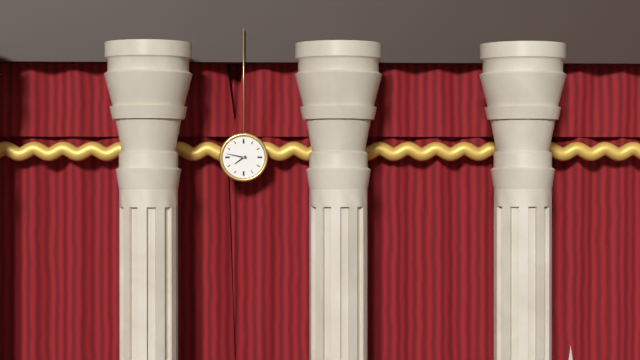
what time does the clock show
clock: 7:47
